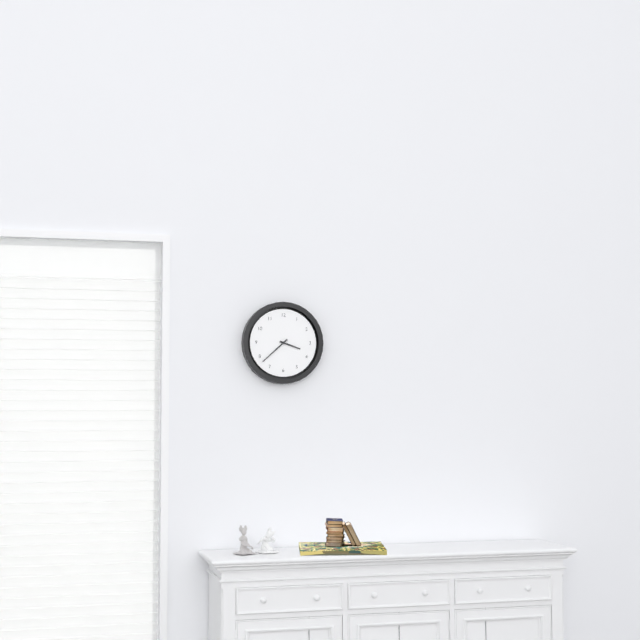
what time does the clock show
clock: 3:38
